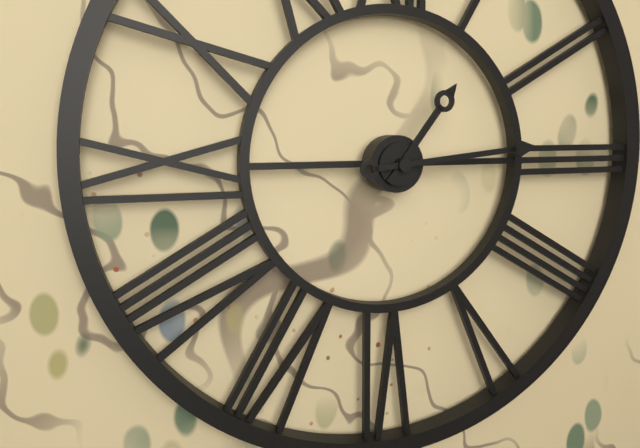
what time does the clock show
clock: 1:14
